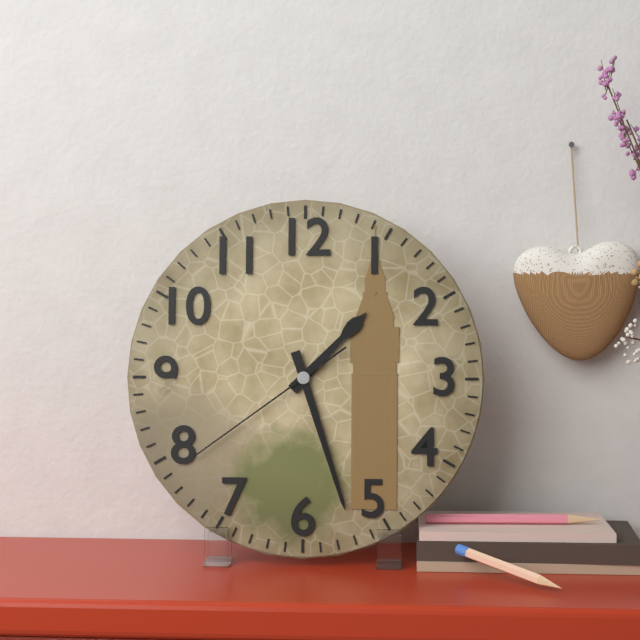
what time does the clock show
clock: 1:27:39
